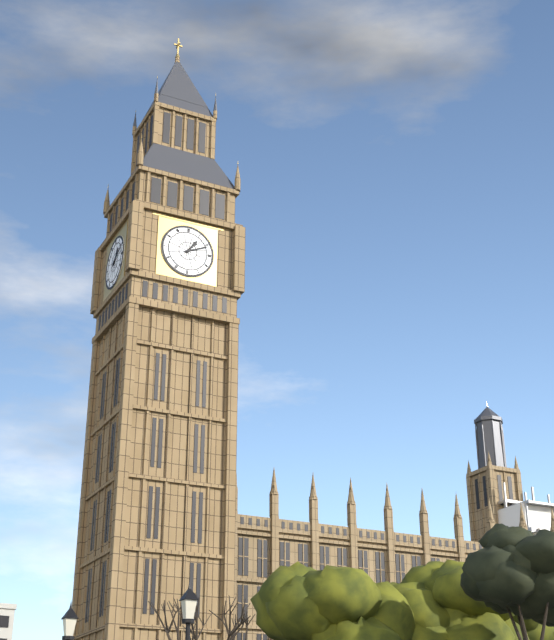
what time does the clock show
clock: 1:11
